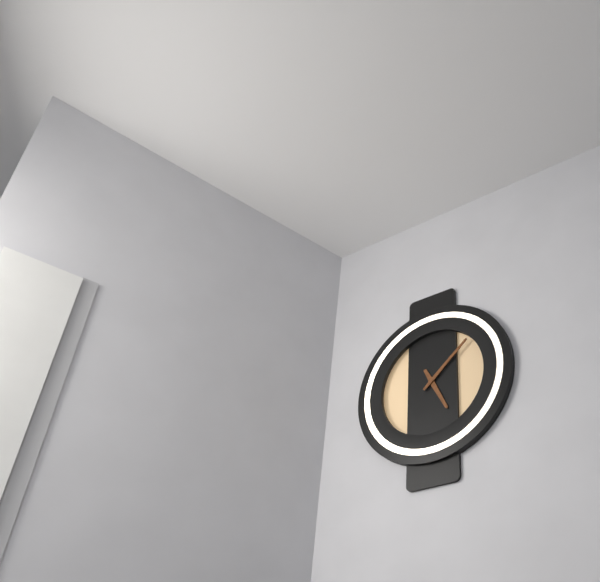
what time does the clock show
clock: 5:08
